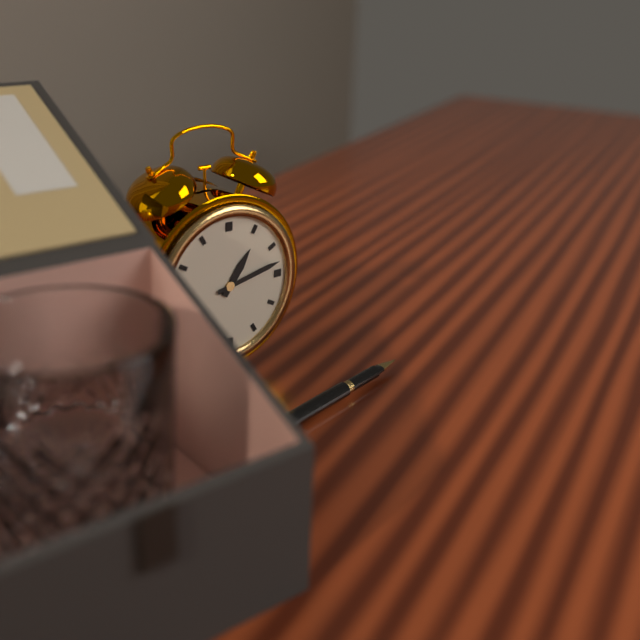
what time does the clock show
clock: 1:13
